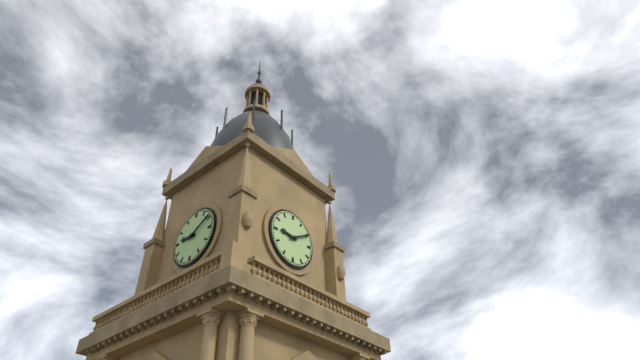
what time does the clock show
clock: 9:10
